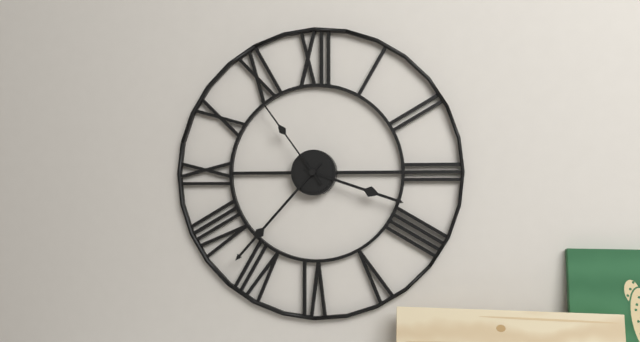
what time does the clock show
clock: 3:37:54
